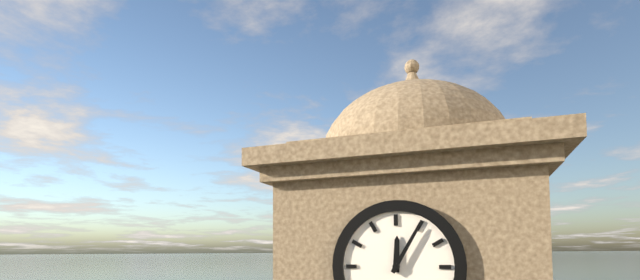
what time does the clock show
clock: 12:05
